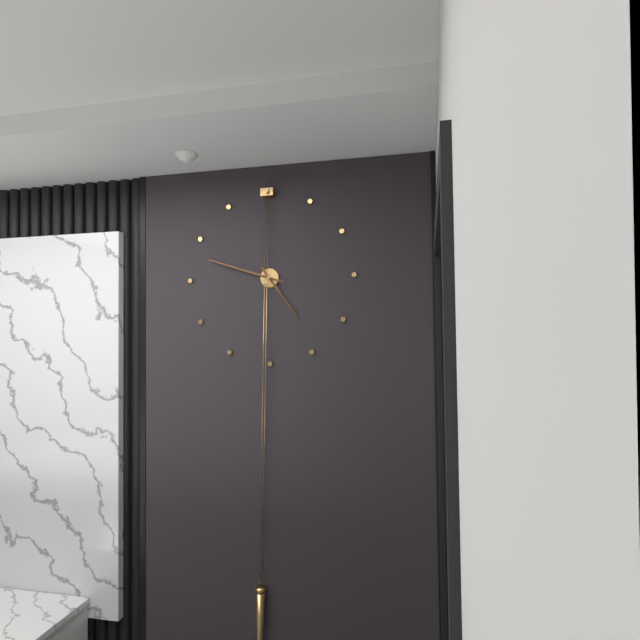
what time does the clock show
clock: 4:48
